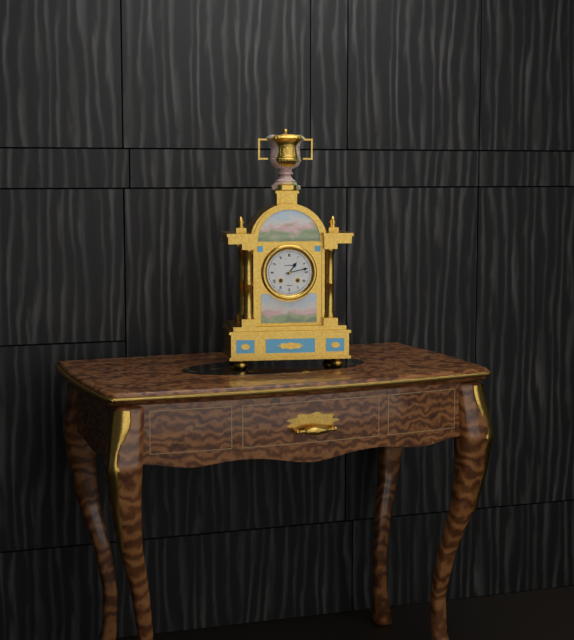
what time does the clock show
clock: 1:13
